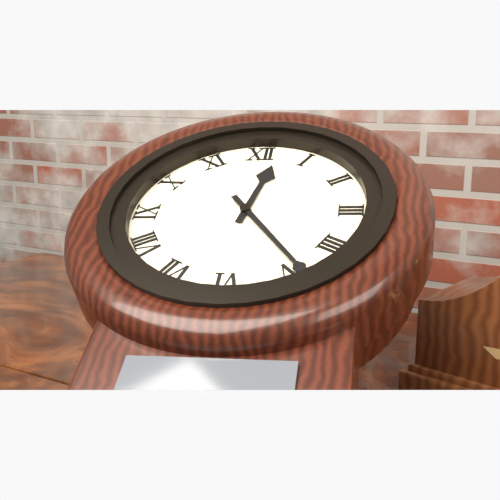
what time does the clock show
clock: 12:24
